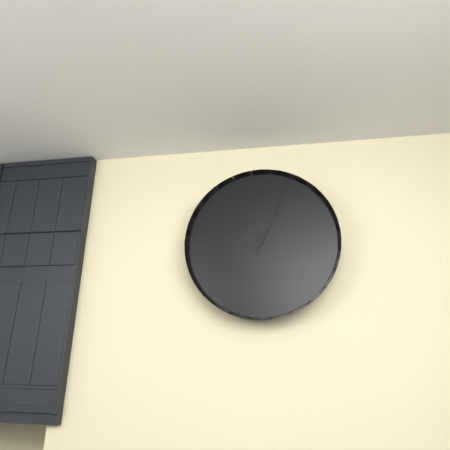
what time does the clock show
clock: 1:04
